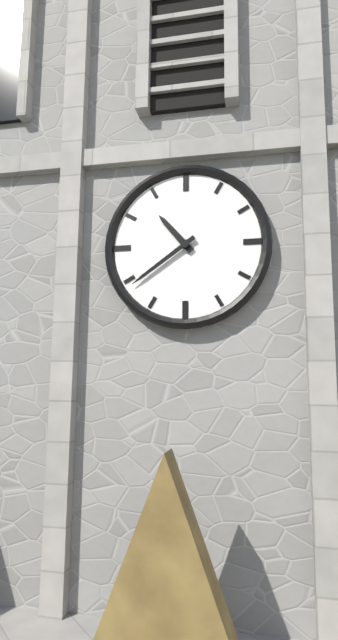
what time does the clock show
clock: 10:39
